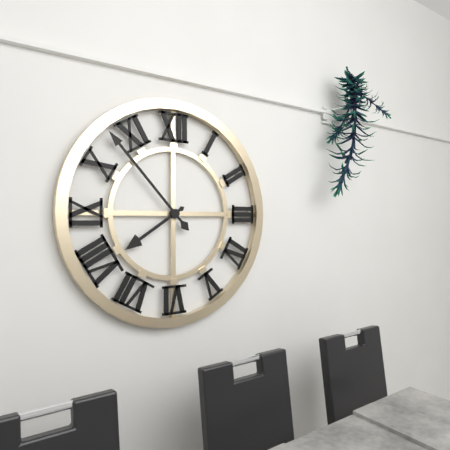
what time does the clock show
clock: 7:53
